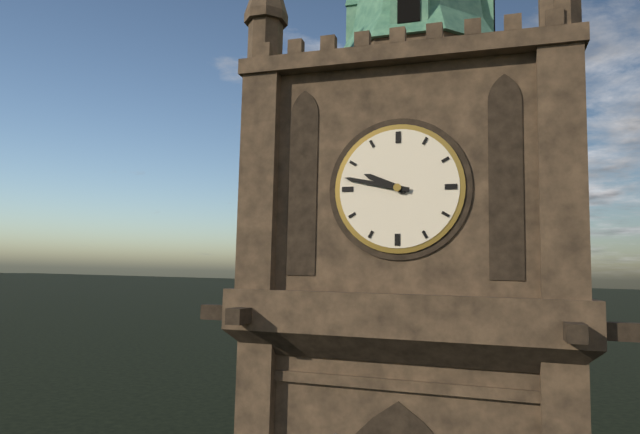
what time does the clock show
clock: 9:47
